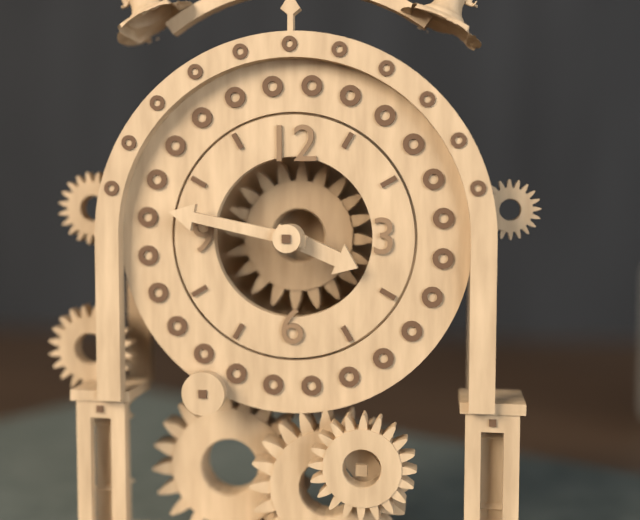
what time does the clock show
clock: 3:47
